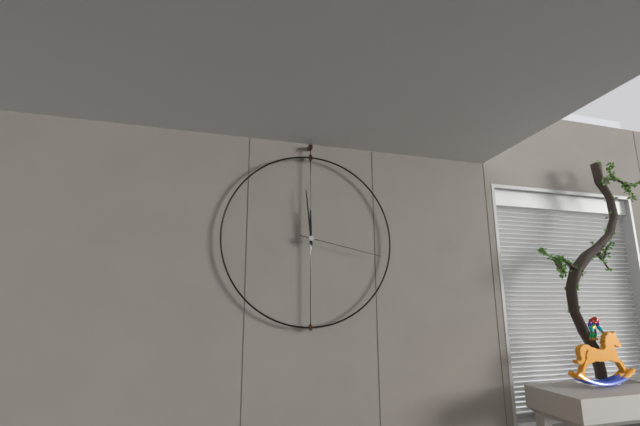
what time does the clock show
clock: 11:59:17
